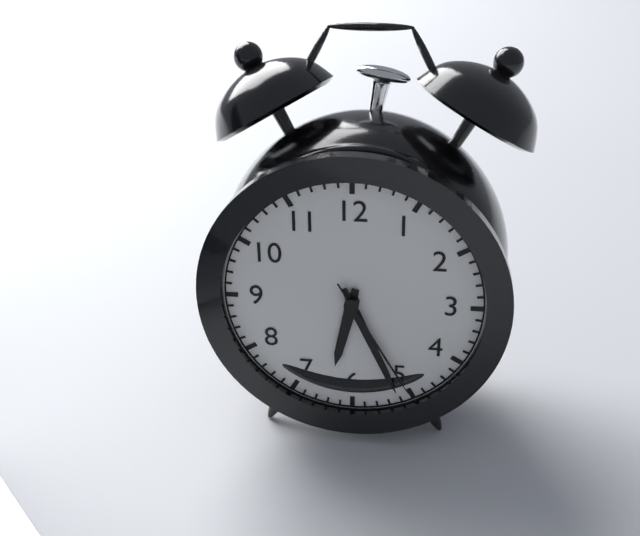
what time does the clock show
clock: 6:26:25
